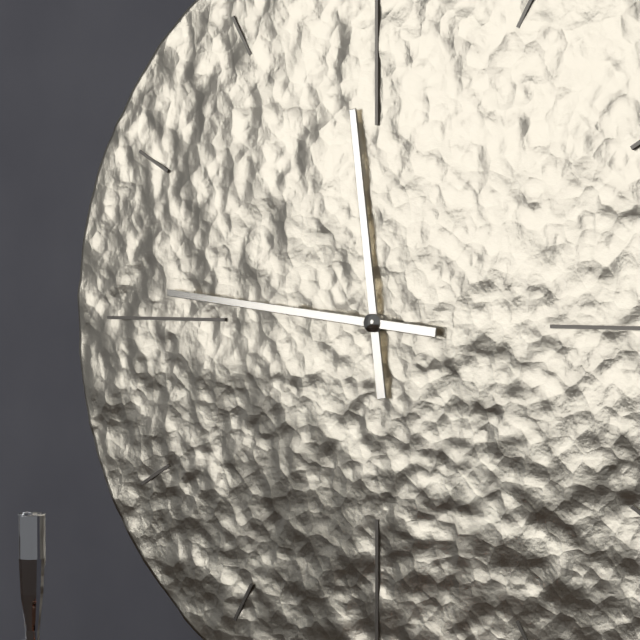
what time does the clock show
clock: 11:46
